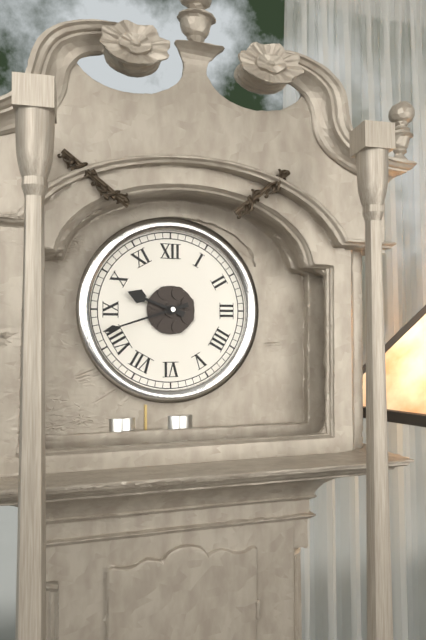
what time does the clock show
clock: 9:42
